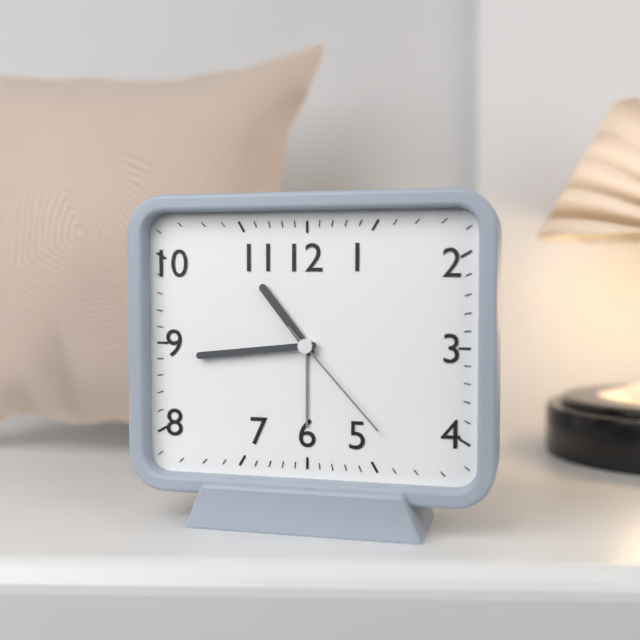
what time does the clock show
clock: 10:44:23
